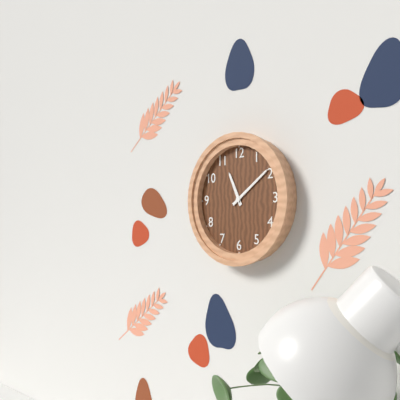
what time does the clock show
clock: 11:09
